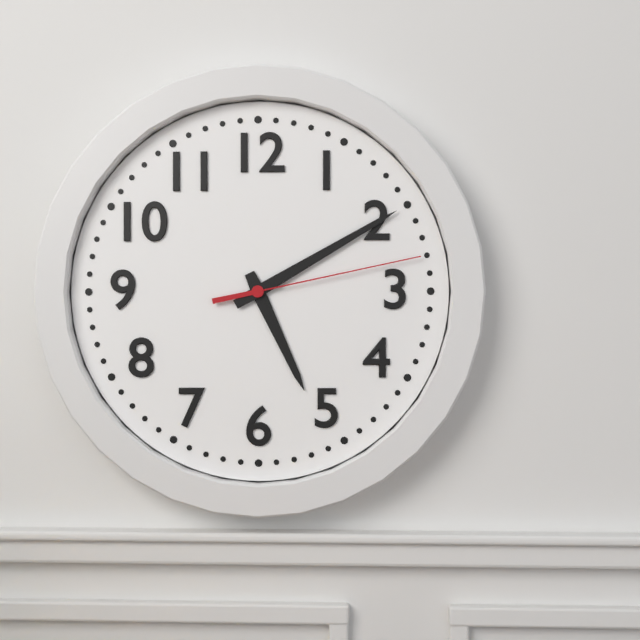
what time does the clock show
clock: 5:10:13
